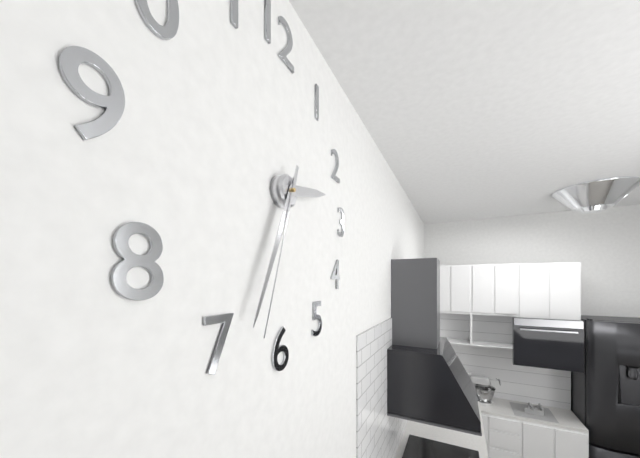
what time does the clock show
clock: 2:34:33
